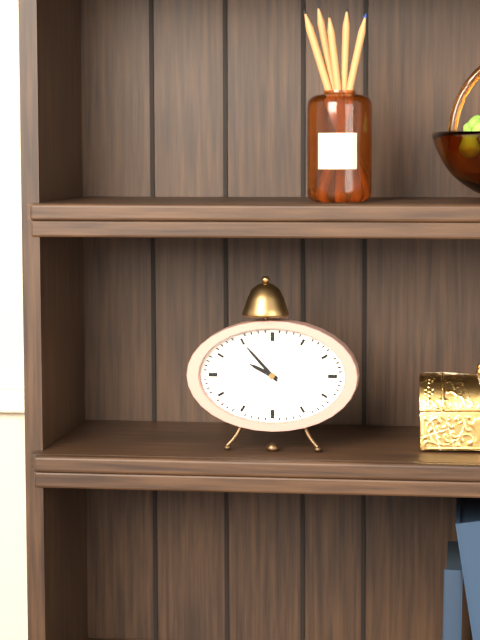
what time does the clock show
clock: 9:53
